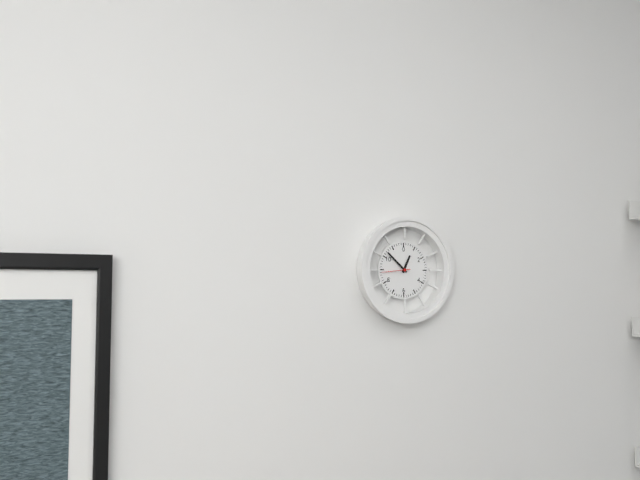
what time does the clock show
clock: 12:52
